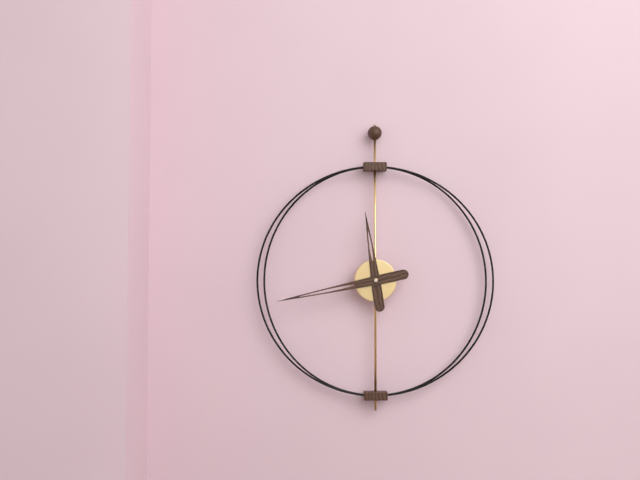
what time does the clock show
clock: 11:43
